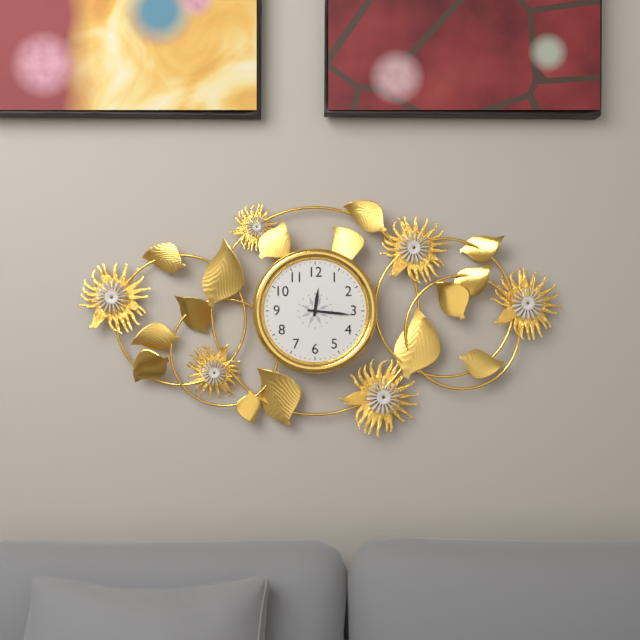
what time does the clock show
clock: 12:16
